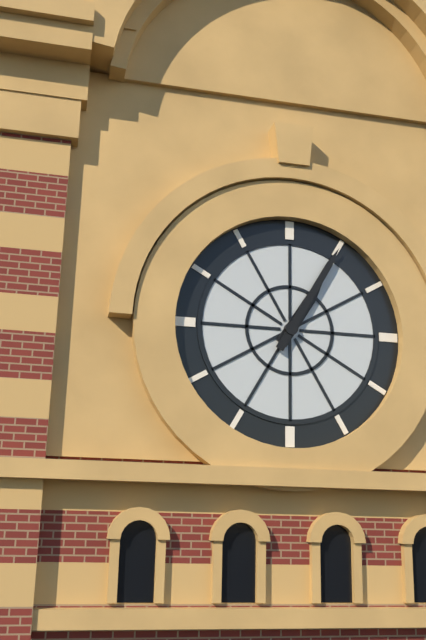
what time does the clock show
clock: 1:05
